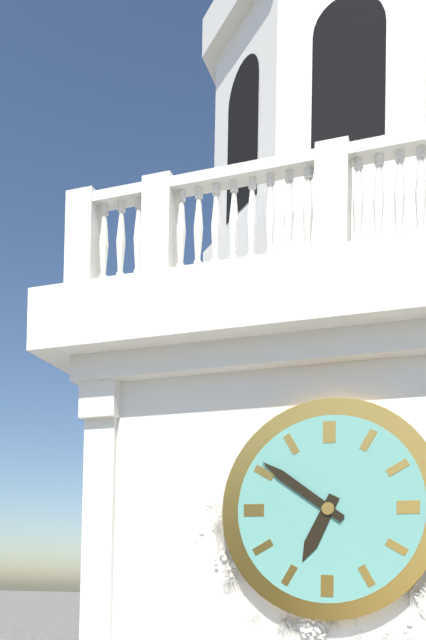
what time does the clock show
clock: 6:51
